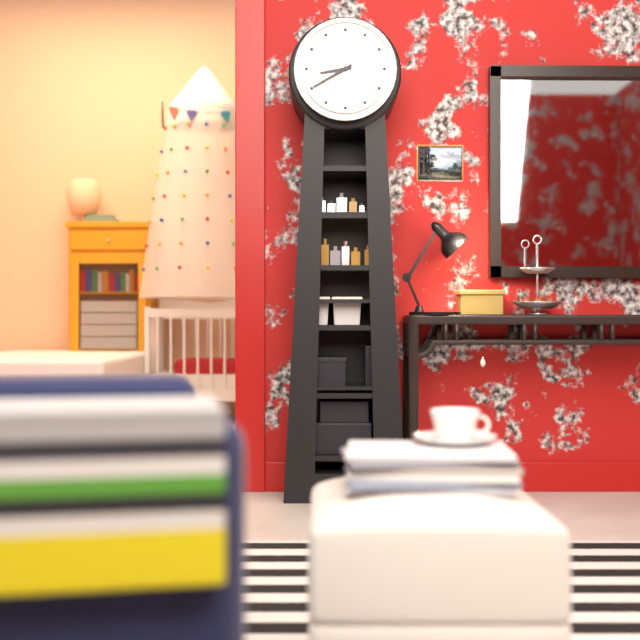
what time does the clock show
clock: 8:40
